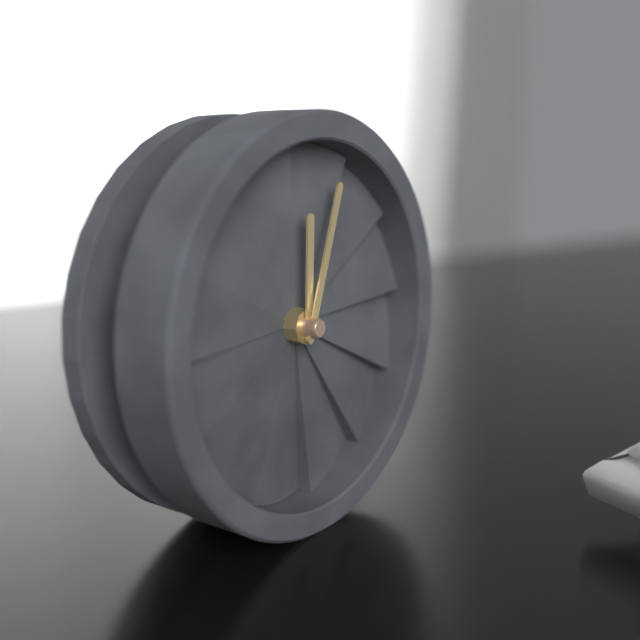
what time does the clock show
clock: 12:03
